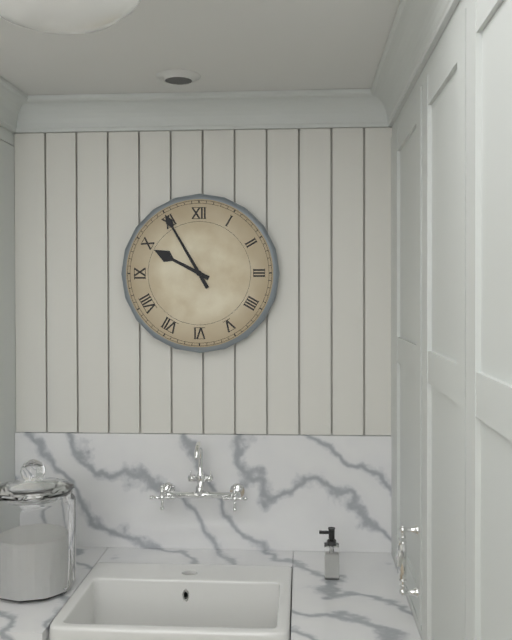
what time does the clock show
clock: 9:55
